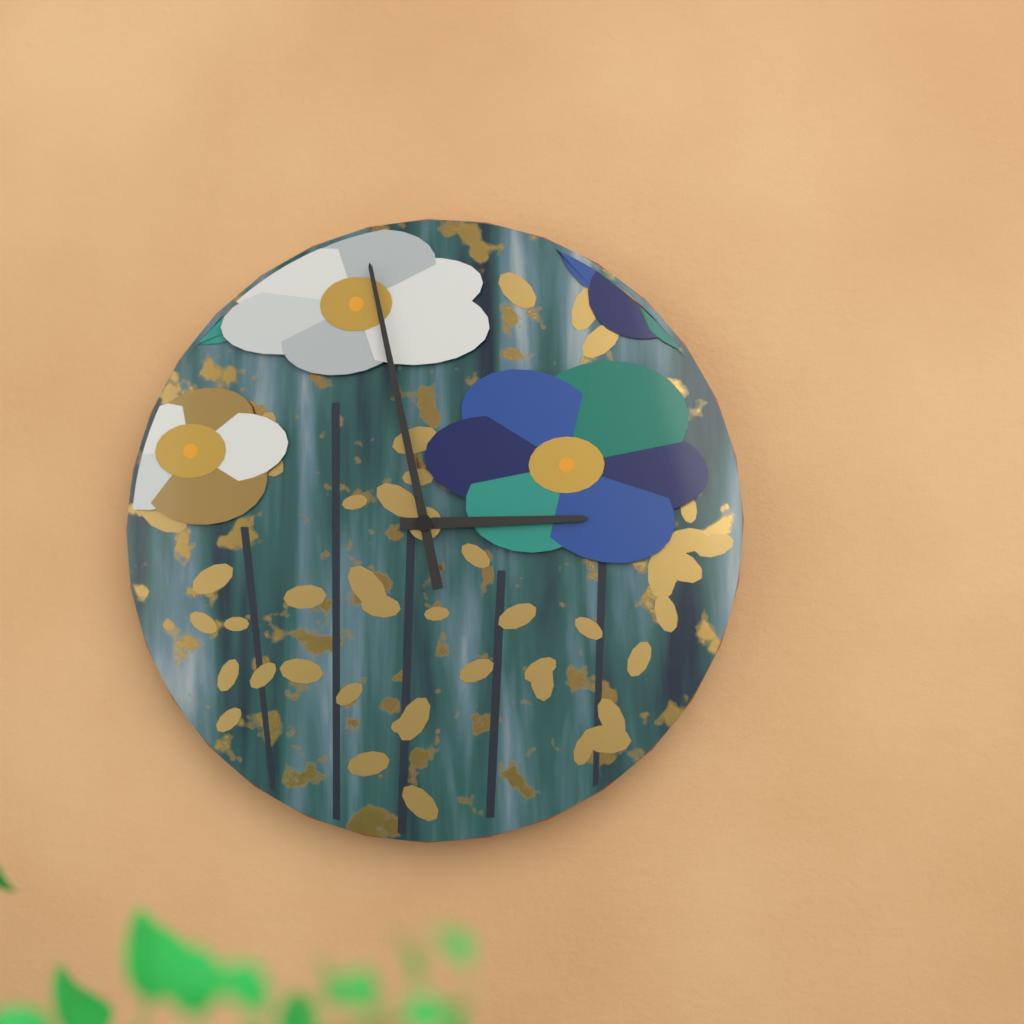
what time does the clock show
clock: 2:58
